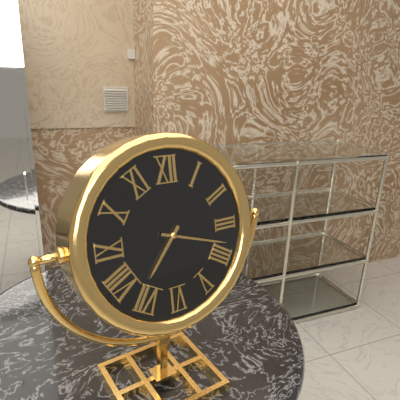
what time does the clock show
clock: 7:18
